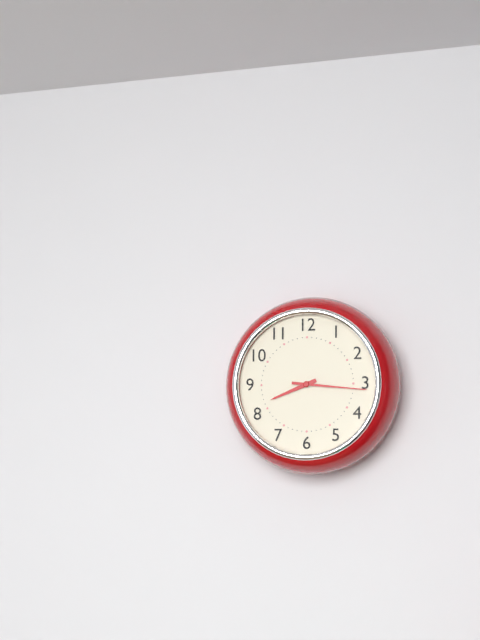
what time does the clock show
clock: 8:16
